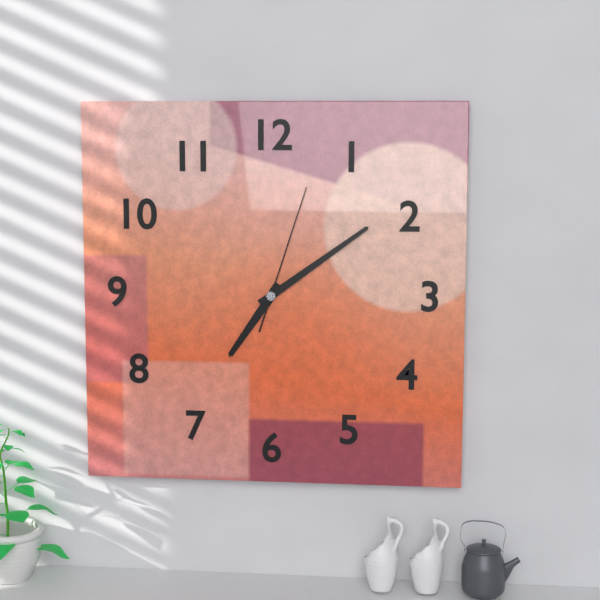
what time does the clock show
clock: 7:09:03
